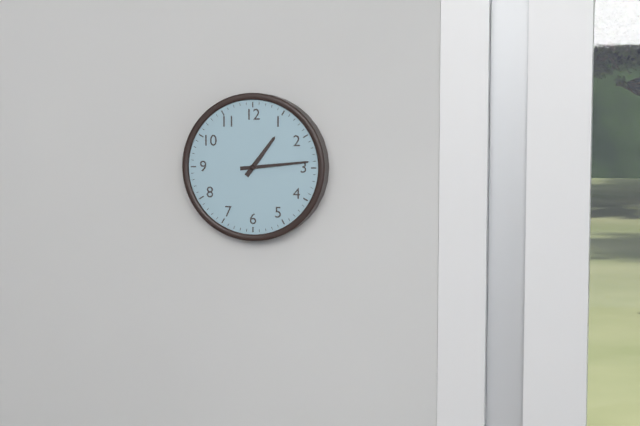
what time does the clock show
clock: 1:14
